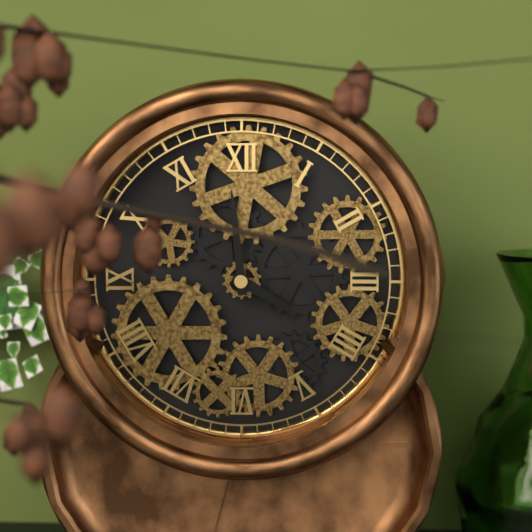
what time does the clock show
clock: 3:59
